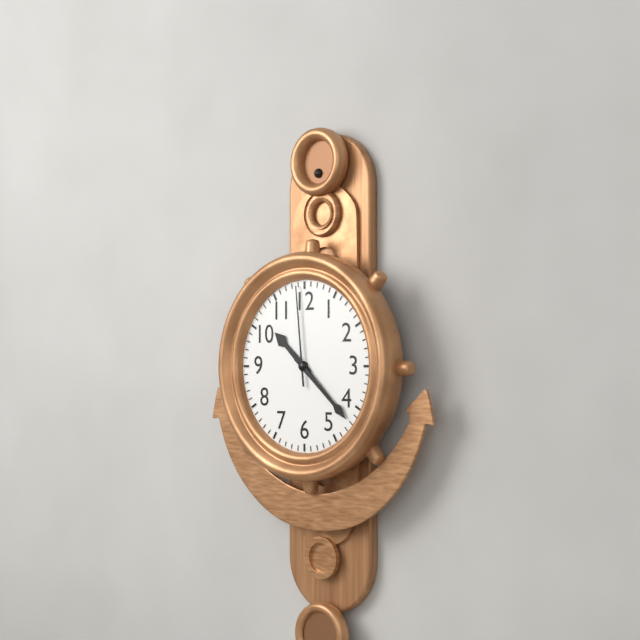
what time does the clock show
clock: 10:22:59
